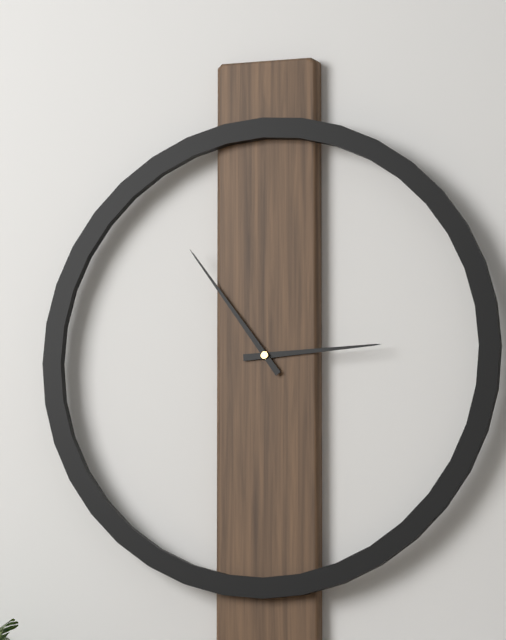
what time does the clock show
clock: 2:54
